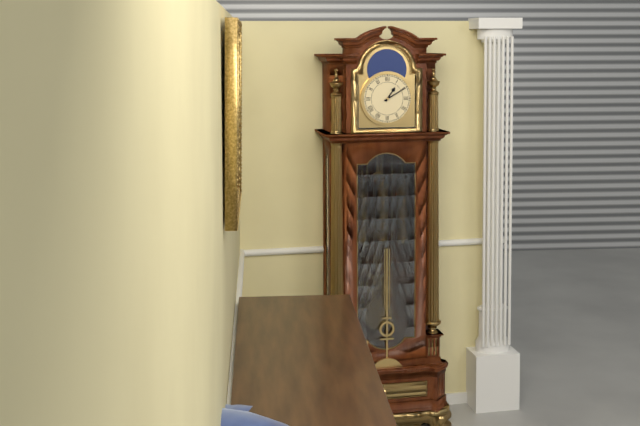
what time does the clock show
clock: 1:10
